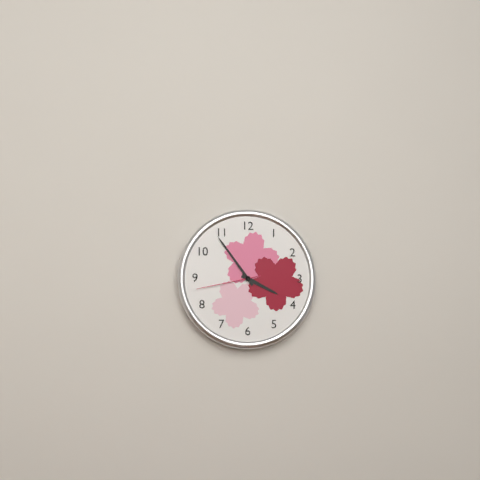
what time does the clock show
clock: 3:54:43
